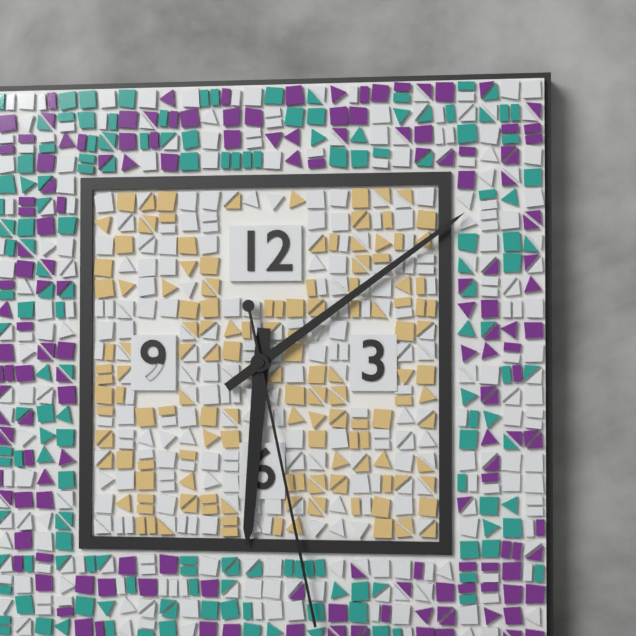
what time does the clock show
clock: 6:09:28
